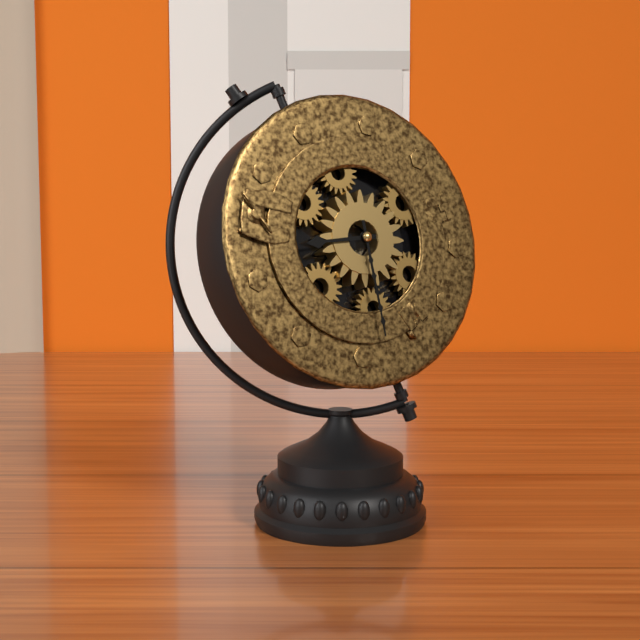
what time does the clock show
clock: 8:27
